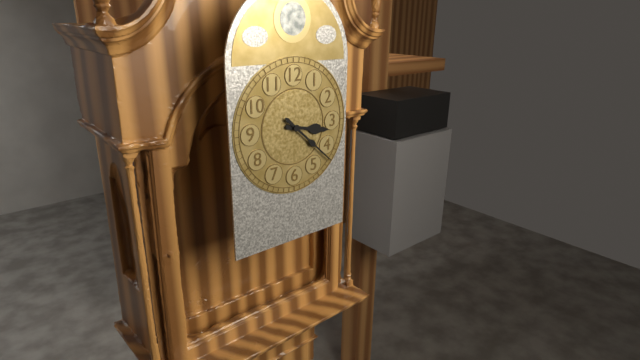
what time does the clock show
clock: 3:22
